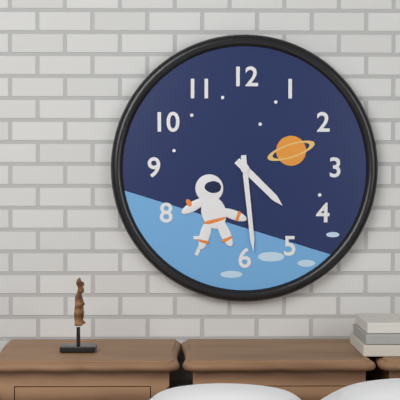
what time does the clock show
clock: 4:29
